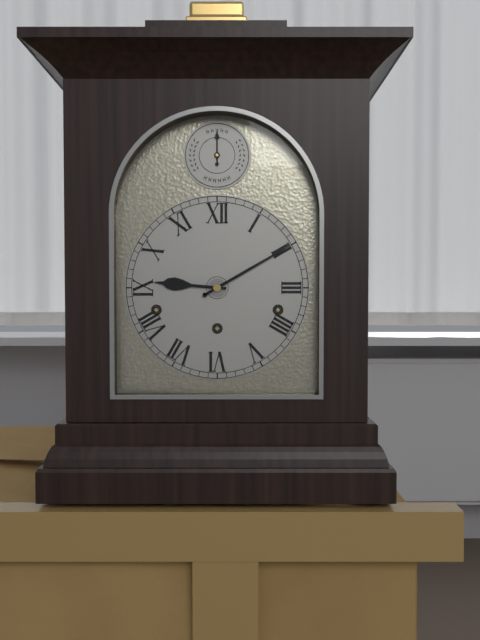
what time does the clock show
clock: 9:10
